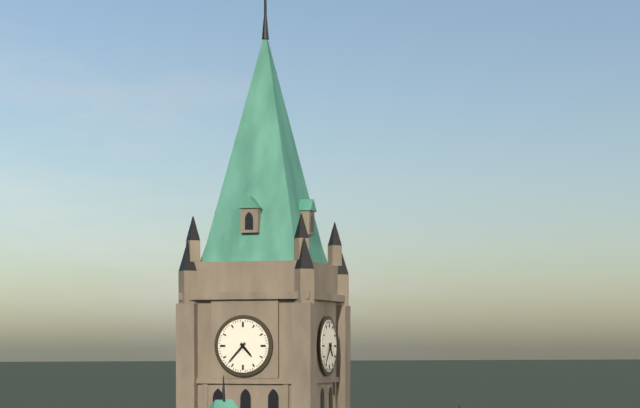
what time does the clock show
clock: 4:37
